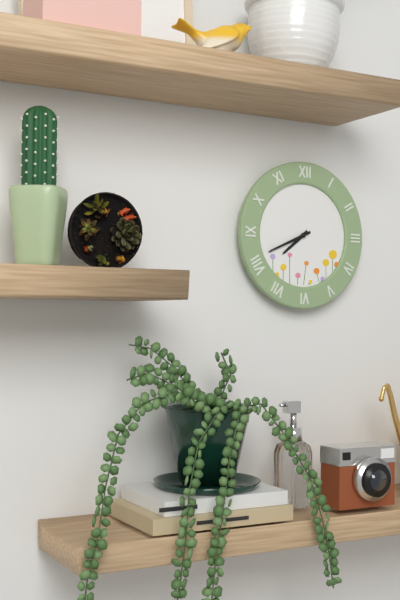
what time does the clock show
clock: 7:41
